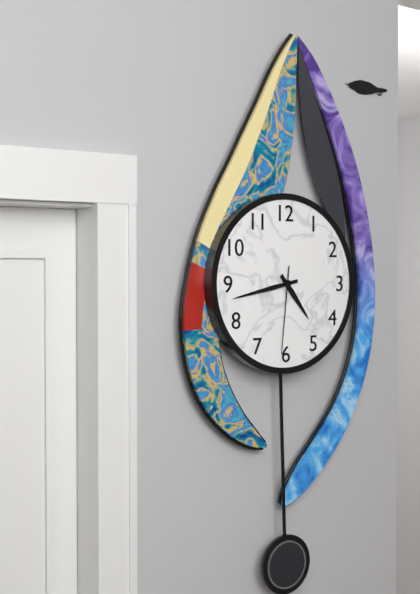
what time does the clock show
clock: 4:43:31
